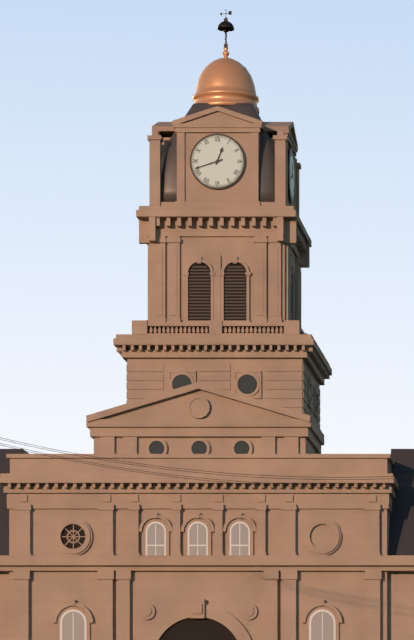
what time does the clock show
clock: 12:42
